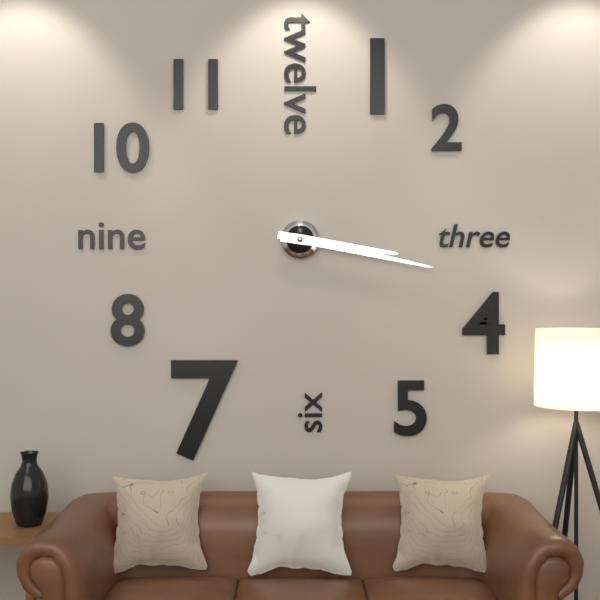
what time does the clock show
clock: 3:17
